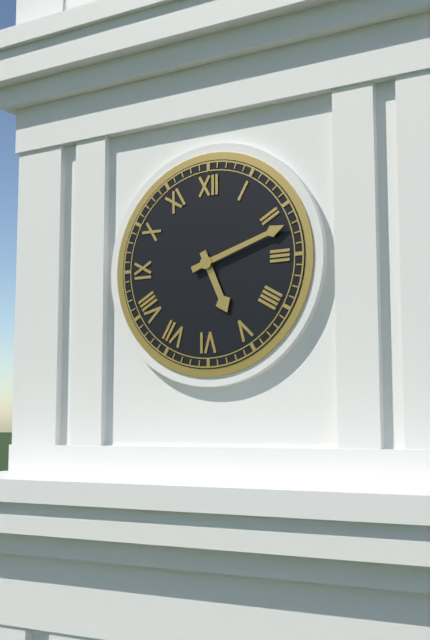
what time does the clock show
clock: 5:12
